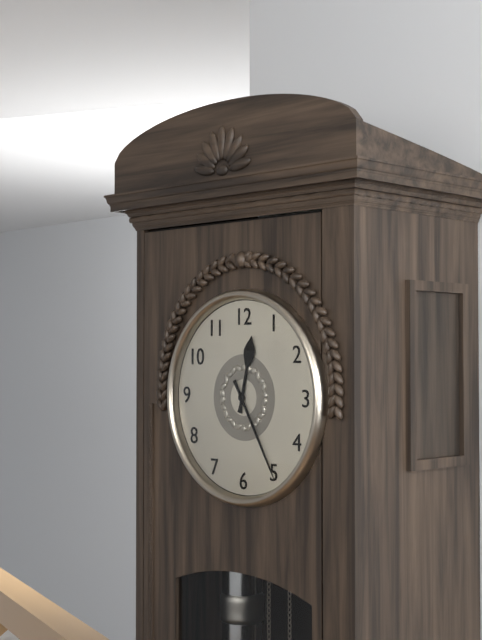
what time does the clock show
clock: 12:25
